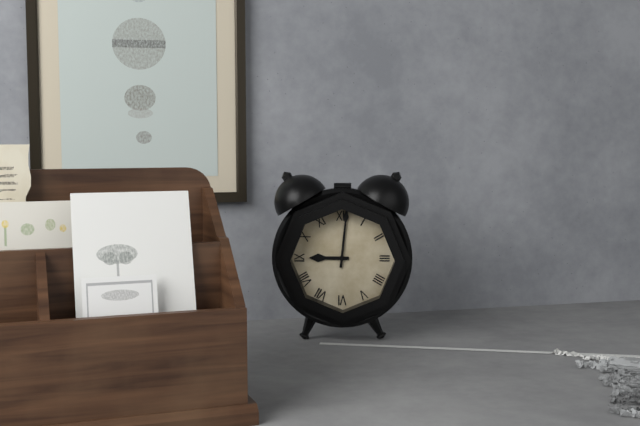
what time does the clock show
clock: 9:01
